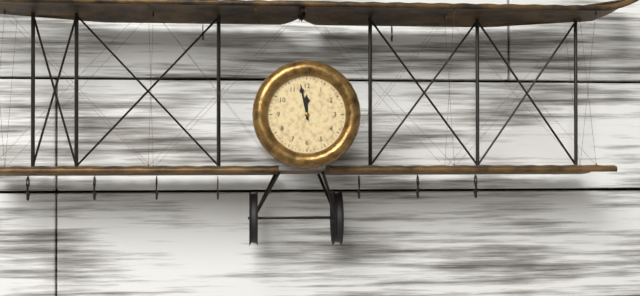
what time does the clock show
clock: 11:58
